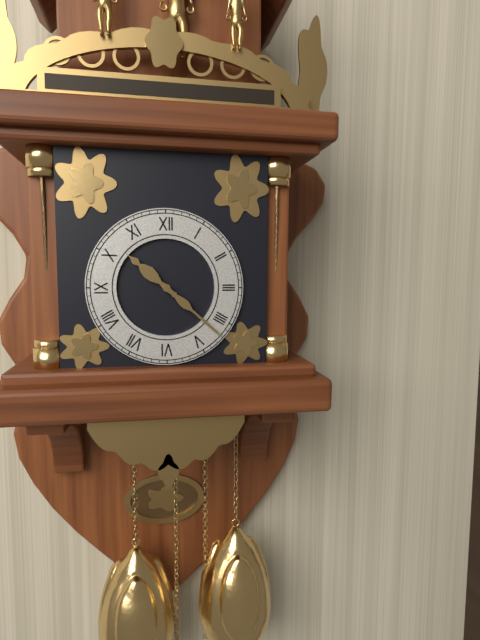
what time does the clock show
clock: 10:22
